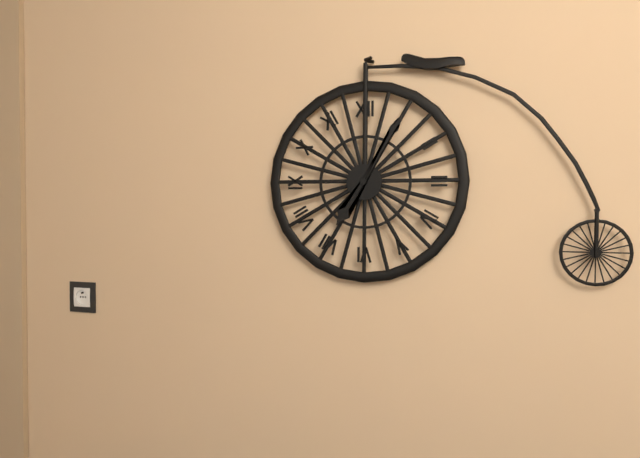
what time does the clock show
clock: 7:05
